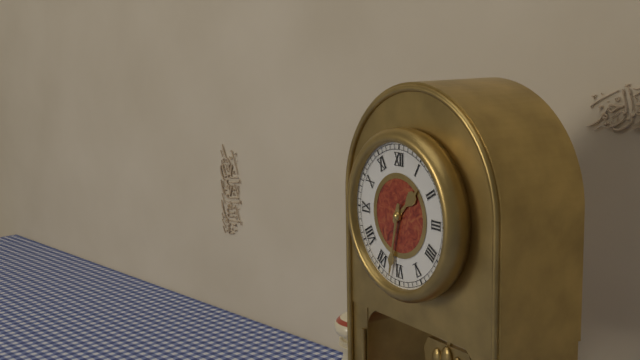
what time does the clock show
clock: 1:32
